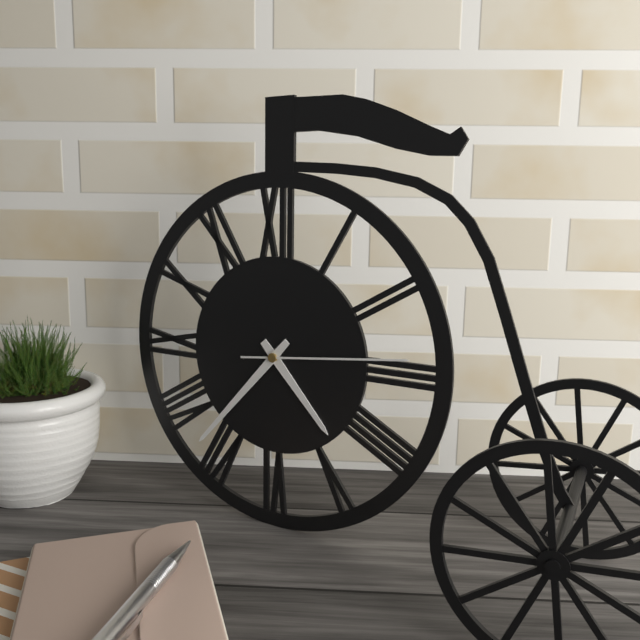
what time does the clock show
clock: 4:37:14
